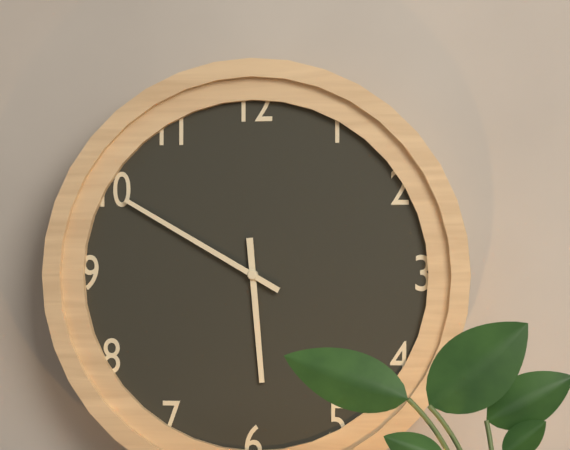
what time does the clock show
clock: 5:50
